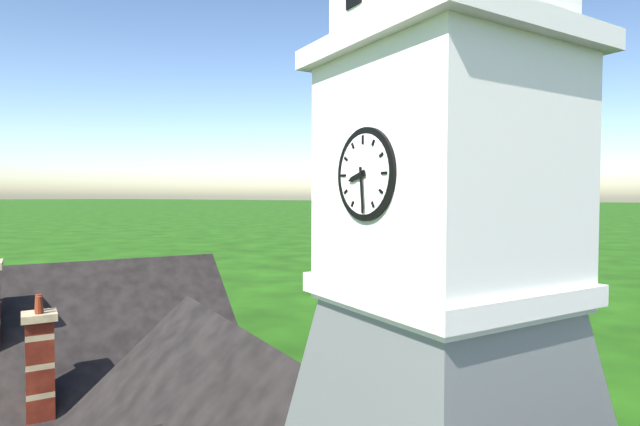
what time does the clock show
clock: 8:29
